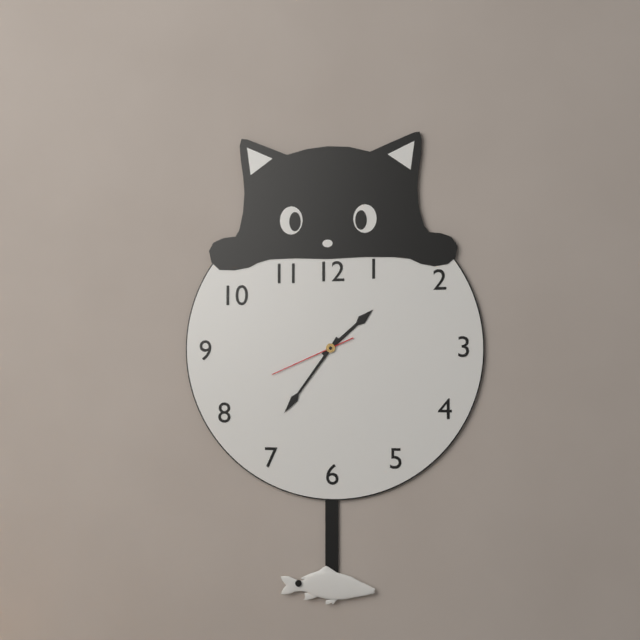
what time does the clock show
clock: 1:36:41
